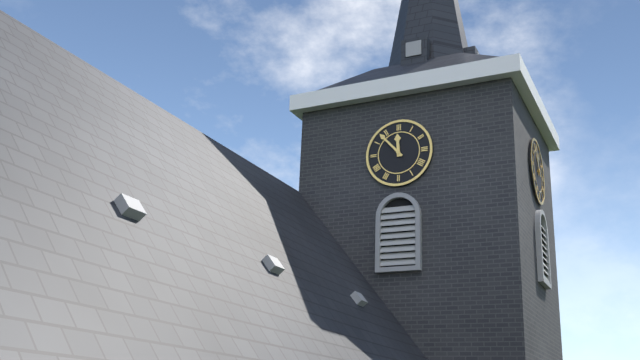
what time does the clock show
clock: 11:53
